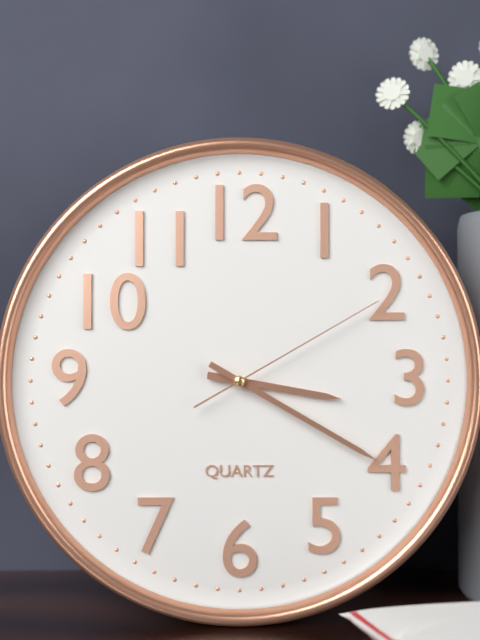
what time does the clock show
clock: 3:20:10
